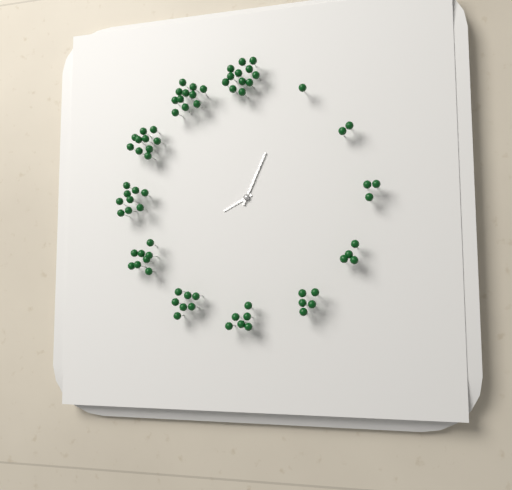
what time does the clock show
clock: 8:04
